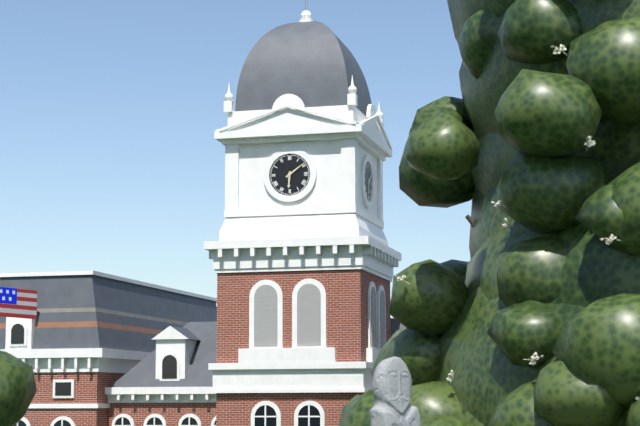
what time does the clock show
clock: 6:09
